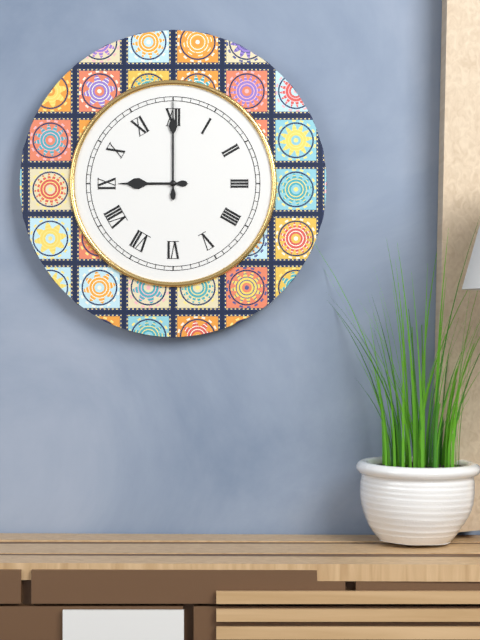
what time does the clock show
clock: 9:00
